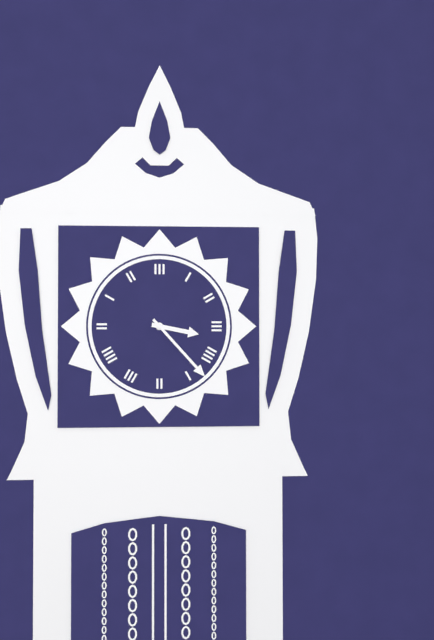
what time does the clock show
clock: 3:23
